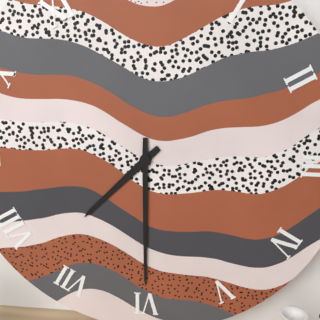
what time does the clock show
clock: 7:30
